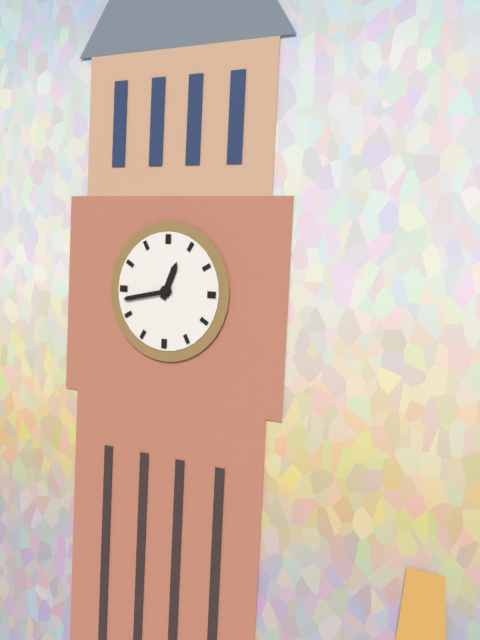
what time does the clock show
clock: 12:43
